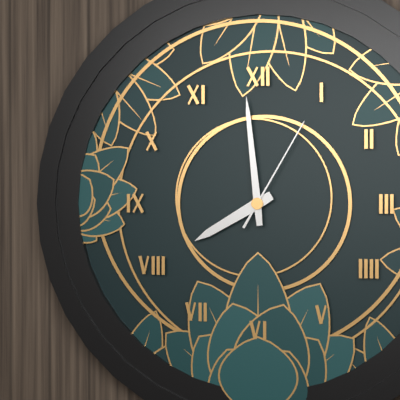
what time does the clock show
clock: 7:59:05
